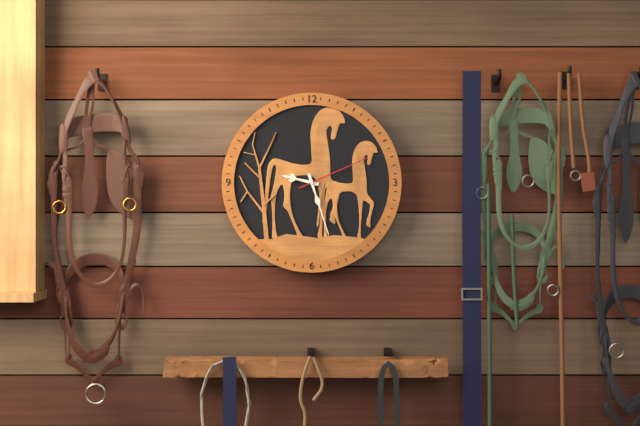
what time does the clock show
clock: 9:27:11
